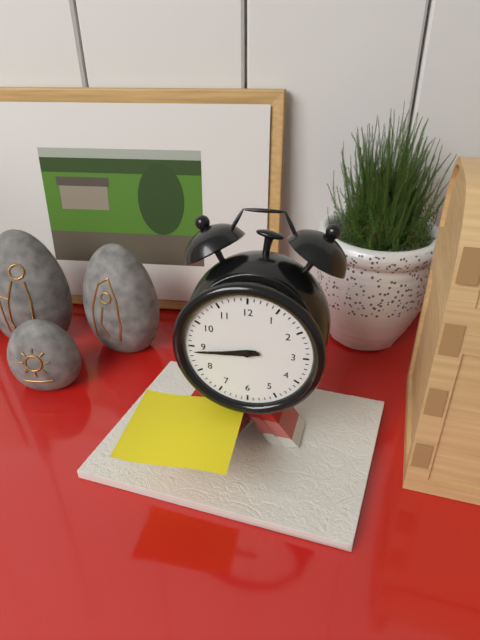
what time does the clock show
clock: 8:44
